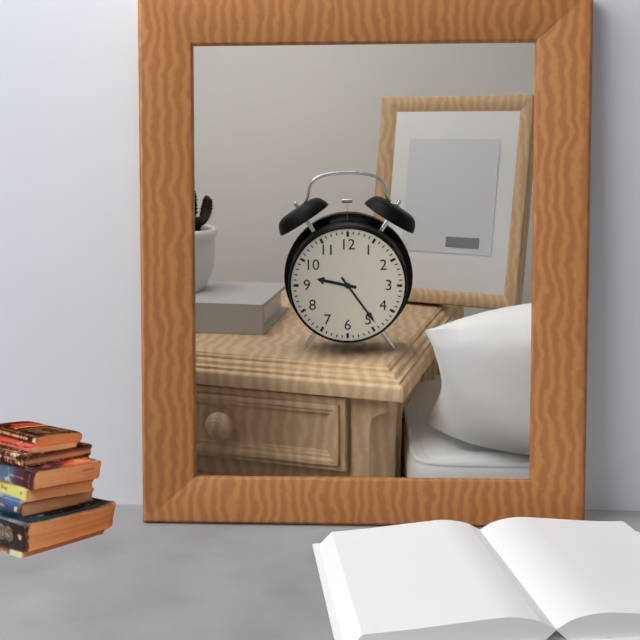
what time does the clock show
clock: 9:24
